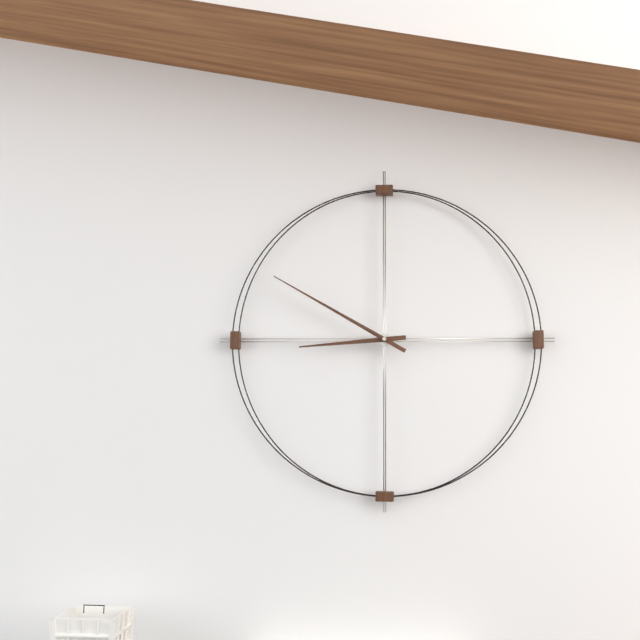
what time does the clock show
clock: 8:50
